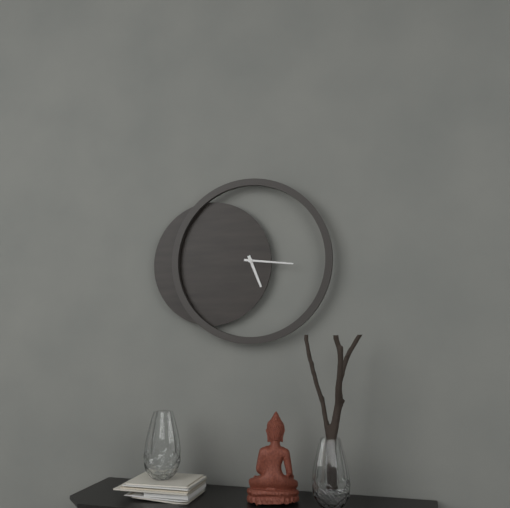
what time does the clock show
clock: 5:16
